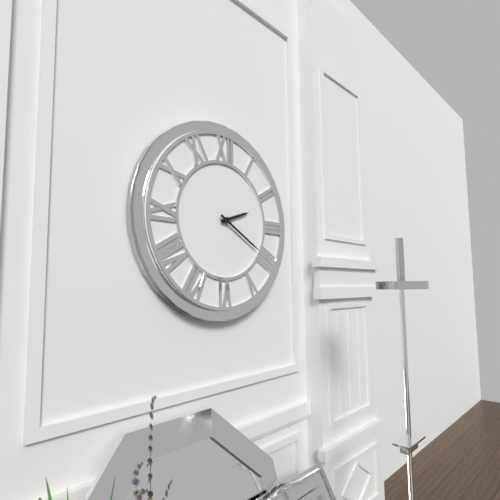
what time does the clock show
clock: 2:20
